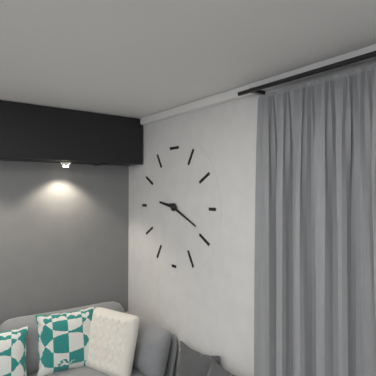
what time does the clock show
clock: 9:19
